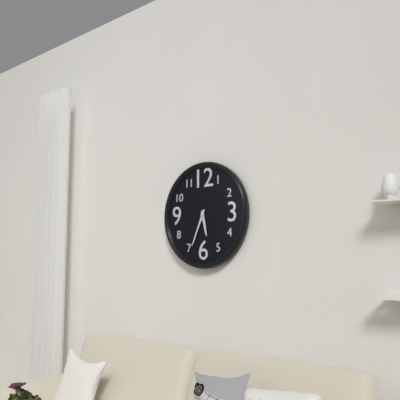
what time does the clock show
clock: 5:34
